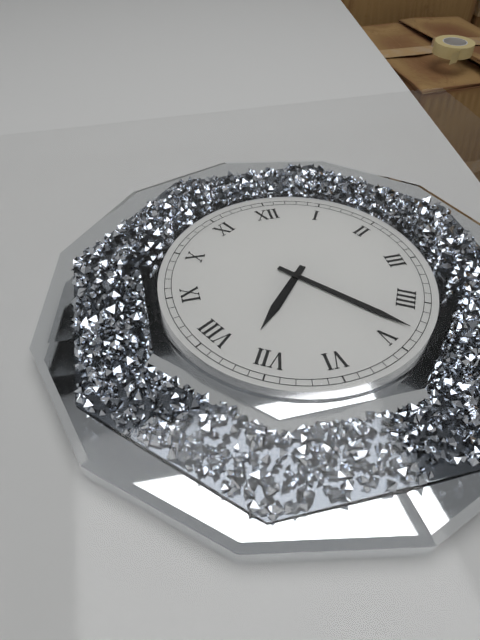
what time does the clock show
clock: 7:23
